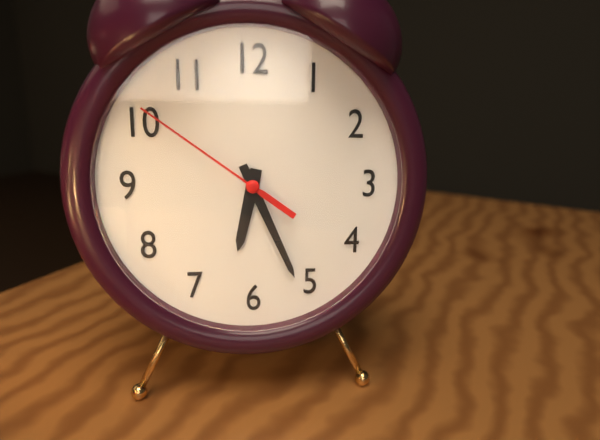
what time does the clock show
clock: 6:26:51
